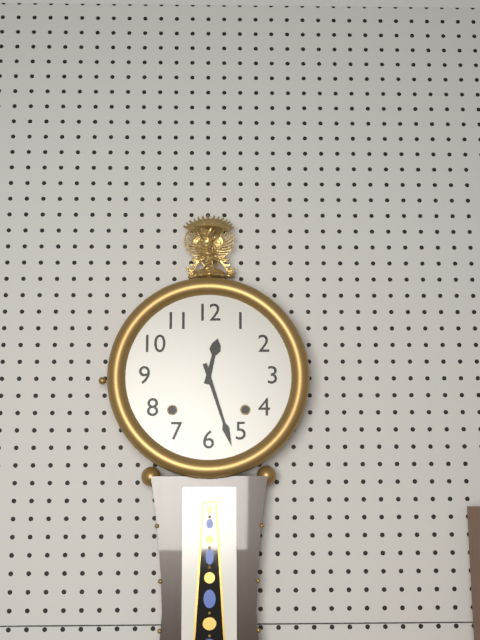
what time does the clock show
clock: 12:27
